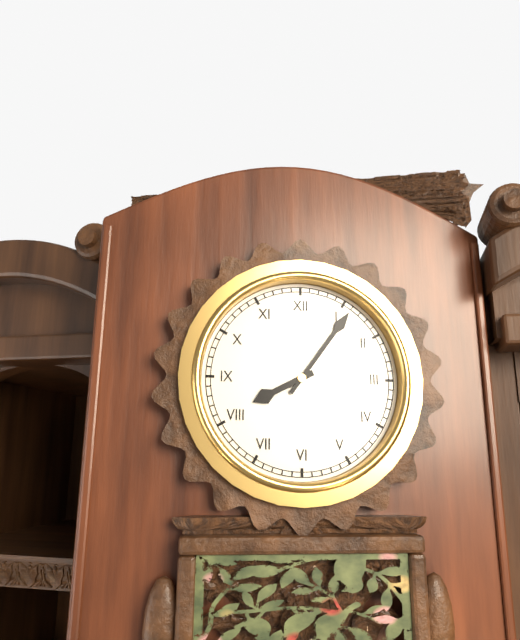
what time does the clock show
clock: 8:06
